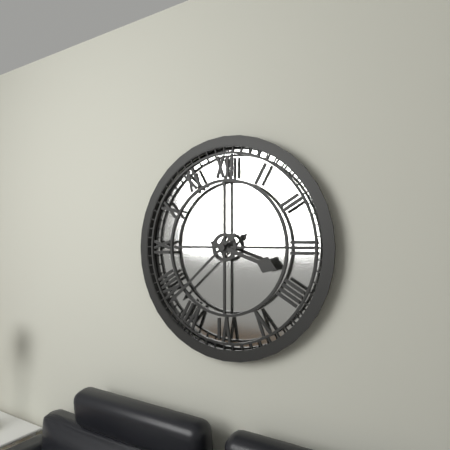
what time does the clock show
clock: 3:38
